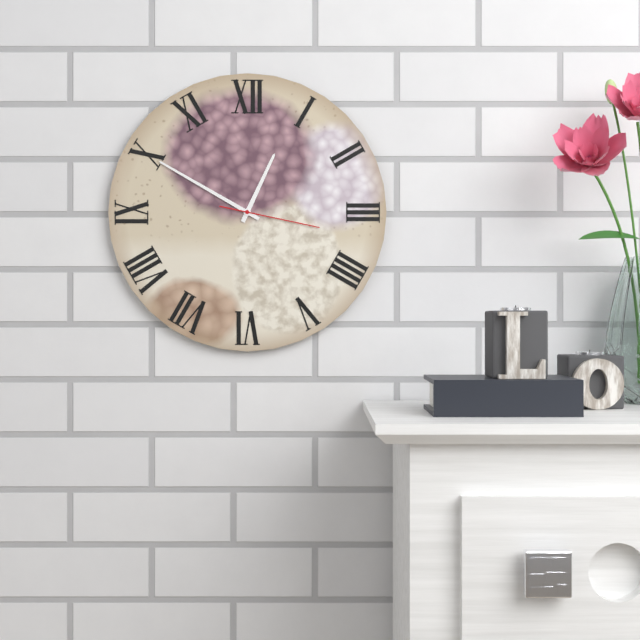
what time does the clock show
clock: 12:50:17
